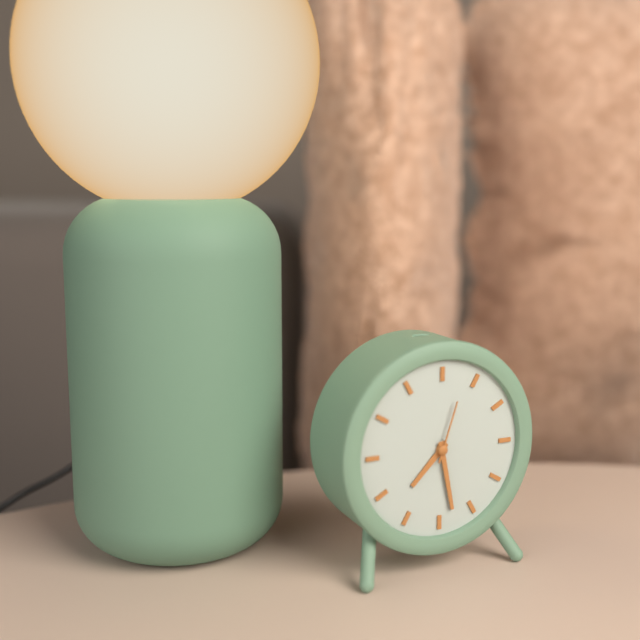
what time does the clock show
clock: 7:28:03
